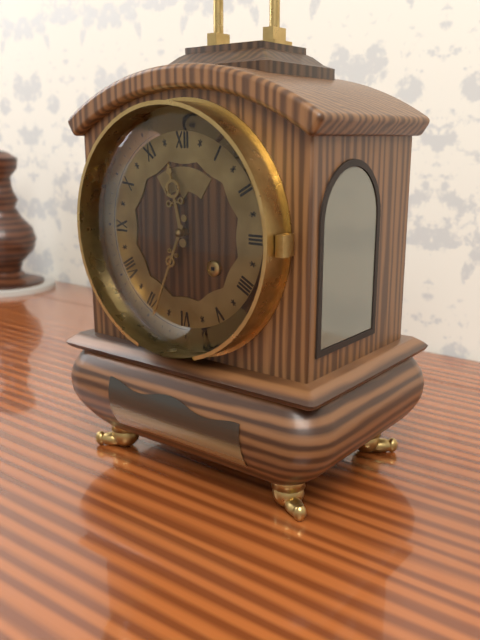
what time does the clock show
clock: 11:34
